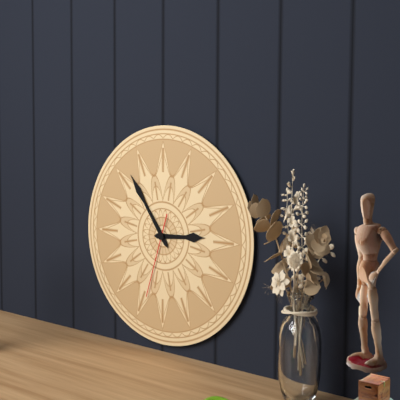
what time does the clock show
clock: 2:54:33
